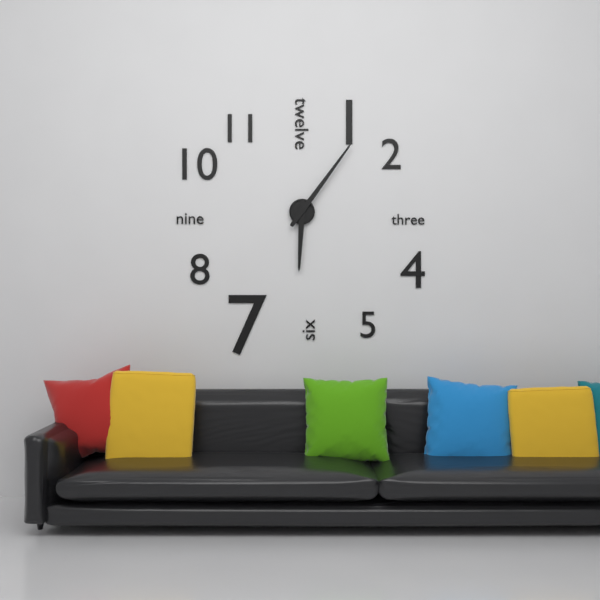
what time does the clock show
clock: 6:06
